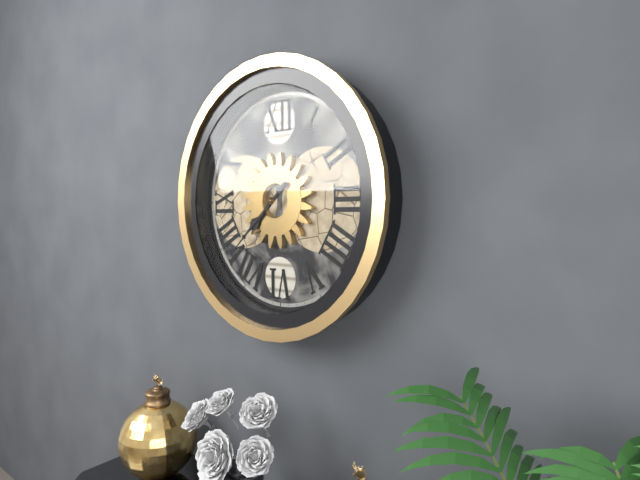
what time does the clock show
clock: 7:38
